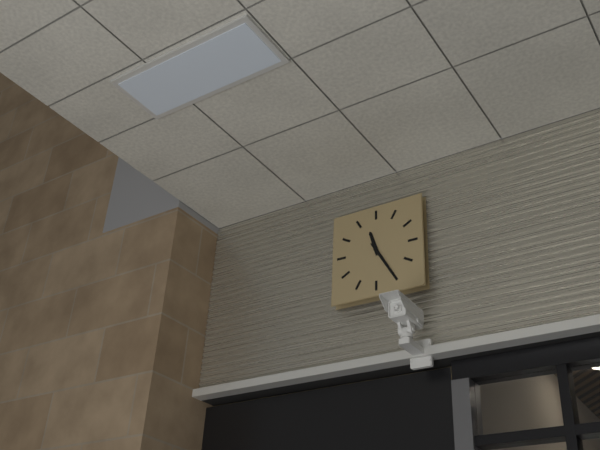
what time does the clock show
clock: 11:25
